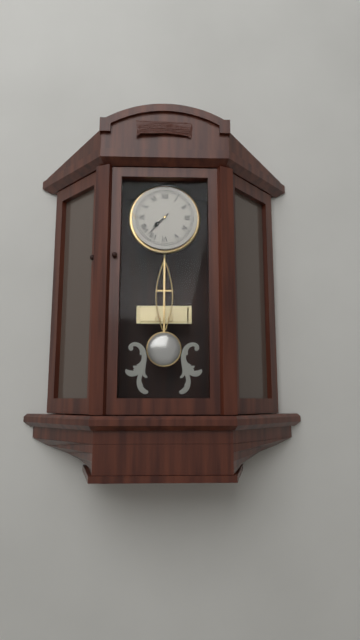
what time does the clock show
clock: 7:37
